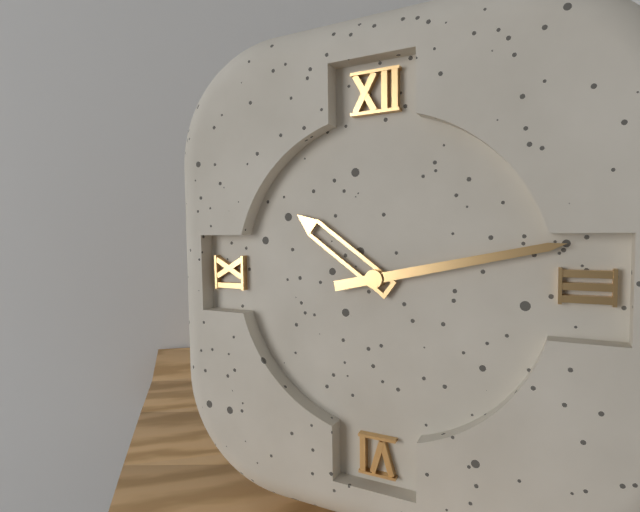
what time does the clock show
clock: 10:13
